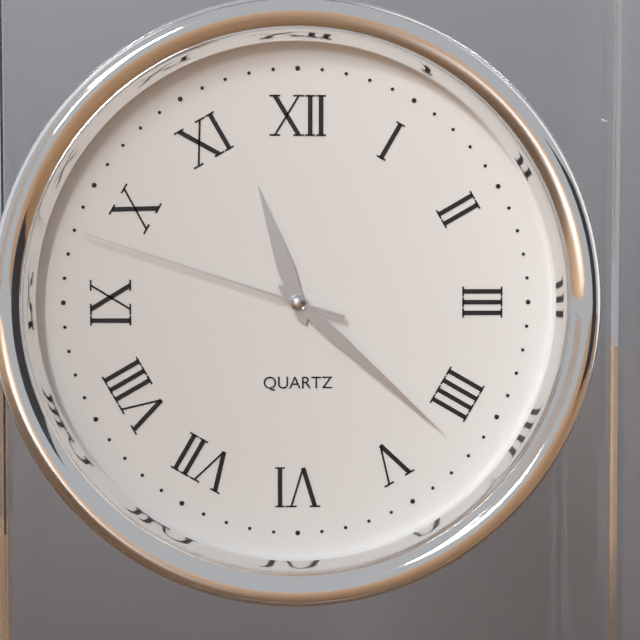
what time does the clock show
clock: 11:22:48
